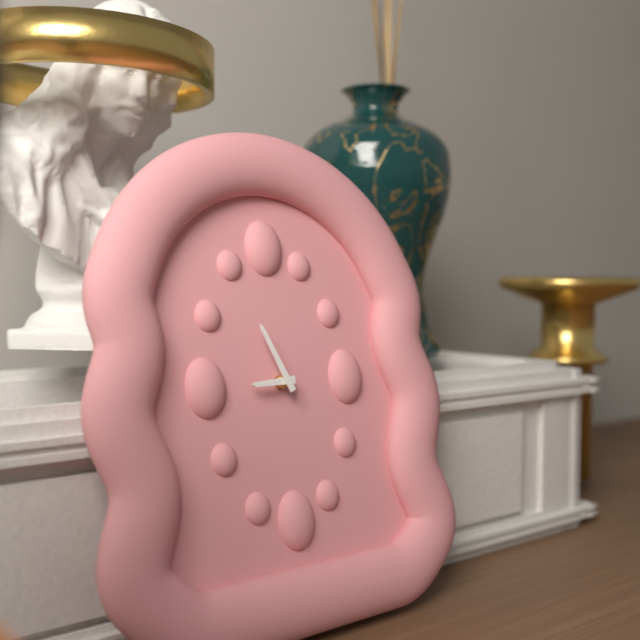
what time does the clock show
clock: 8:56
